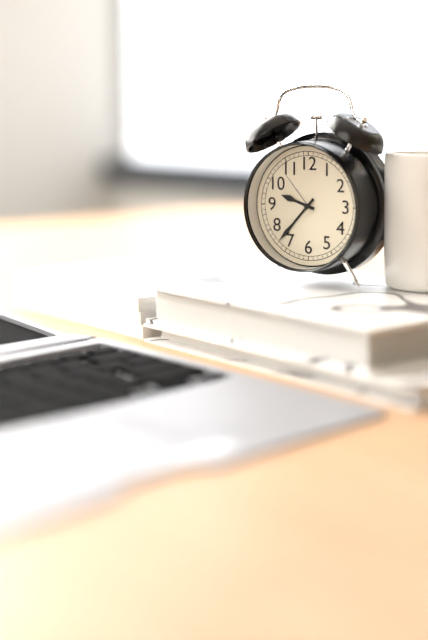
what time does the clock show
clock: 9:37
